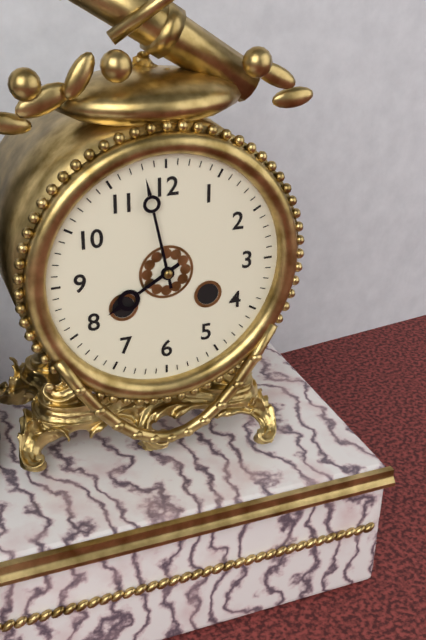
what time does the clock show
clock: 7:58
